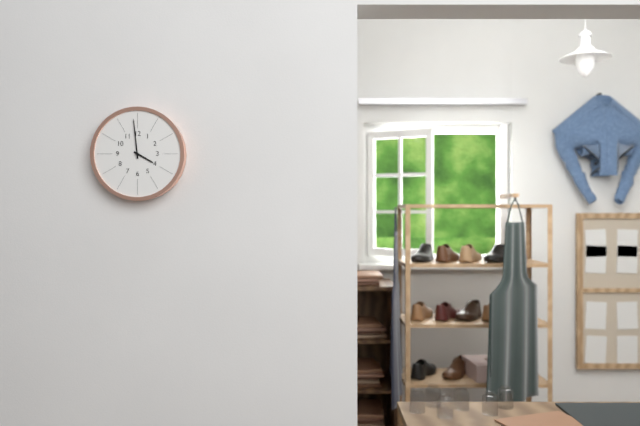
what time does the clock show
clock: 3:59
